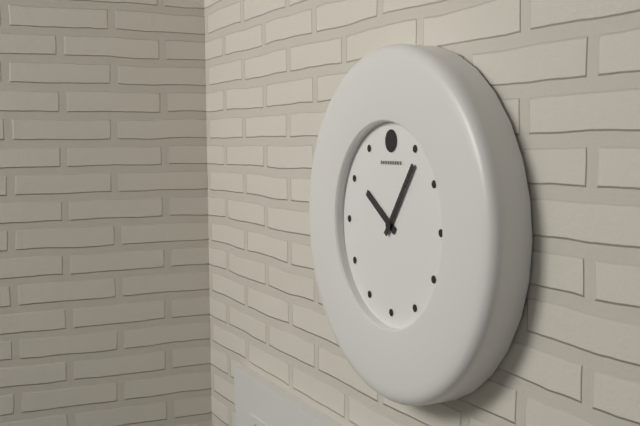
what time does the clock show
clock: 10:06
